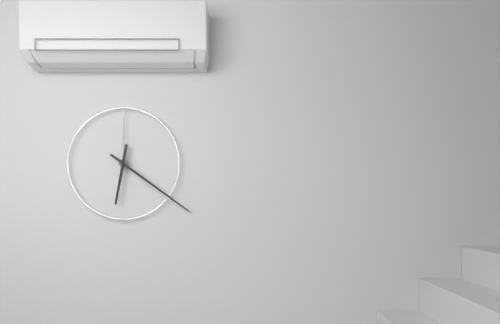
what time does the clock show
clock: 6:21
